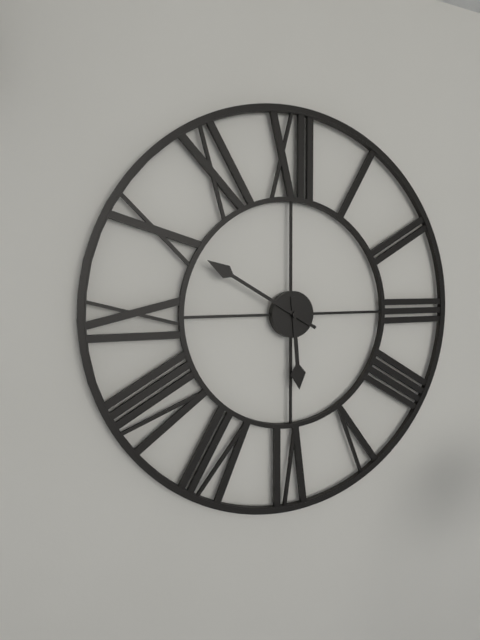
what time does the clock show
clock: 5:50
